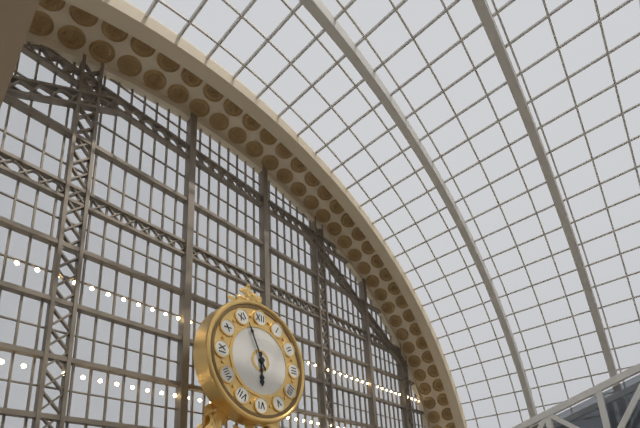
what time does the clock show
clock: 5:56
